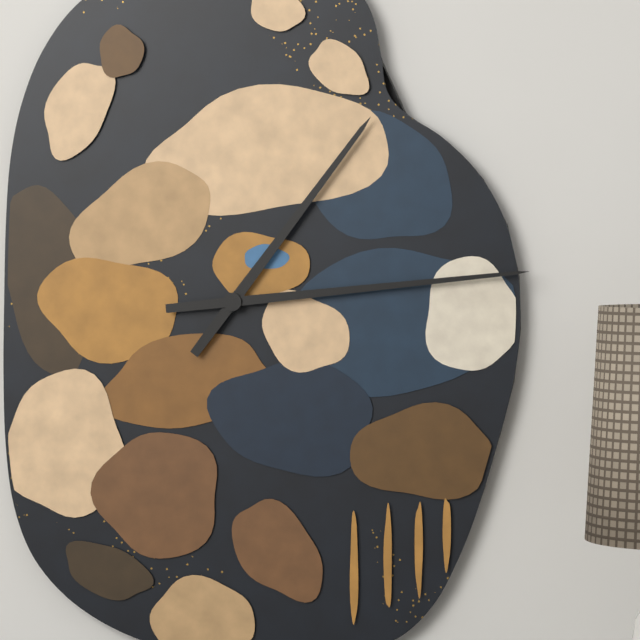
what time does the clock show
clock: 1:14
